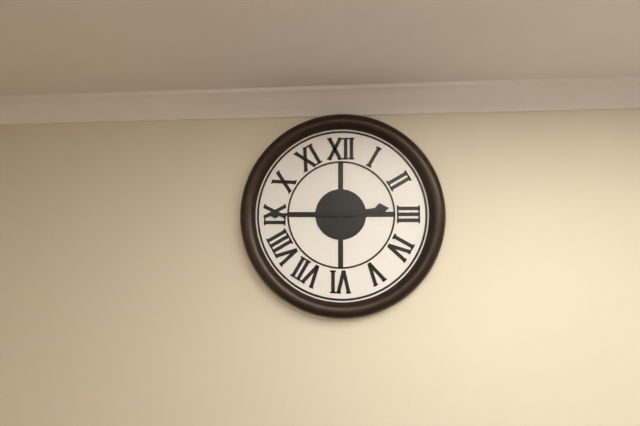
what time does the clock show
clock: 2:45
